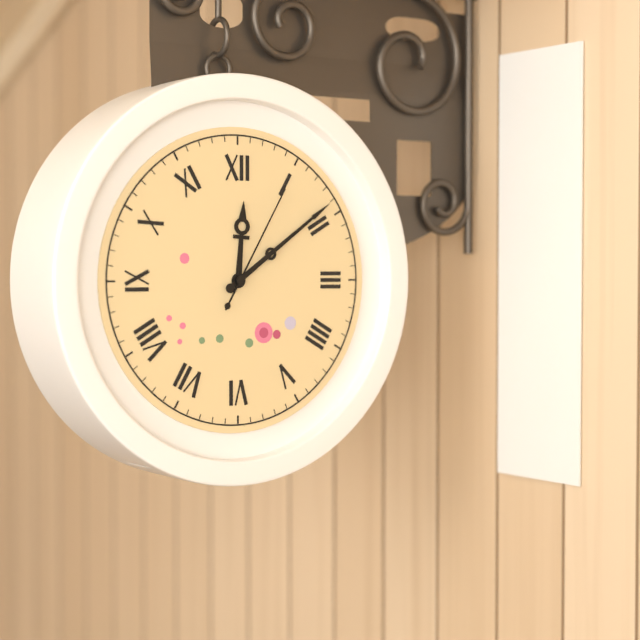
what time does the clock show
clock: 12:09:05
